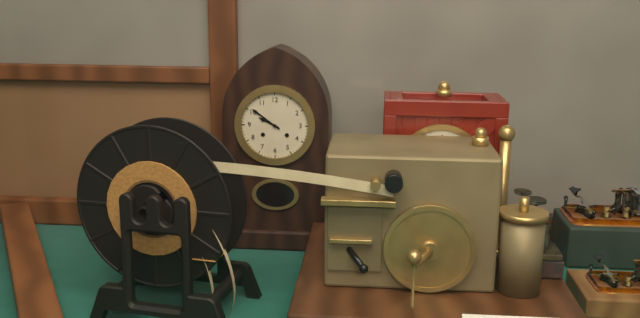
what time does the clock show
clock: 9:51
